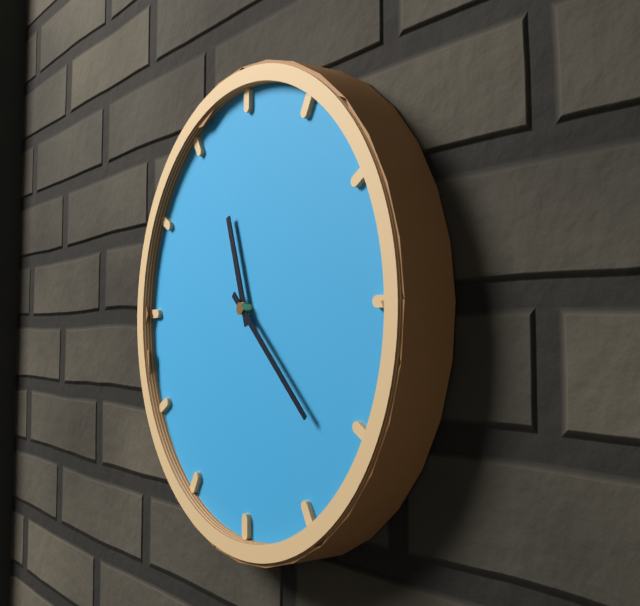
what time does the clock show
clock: 11:22
